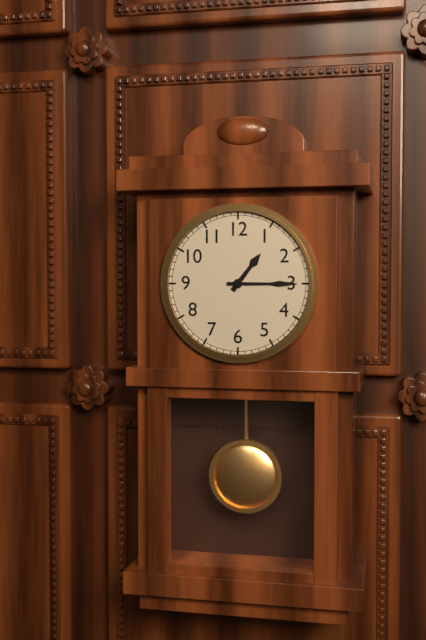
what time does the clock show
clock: 1:15
